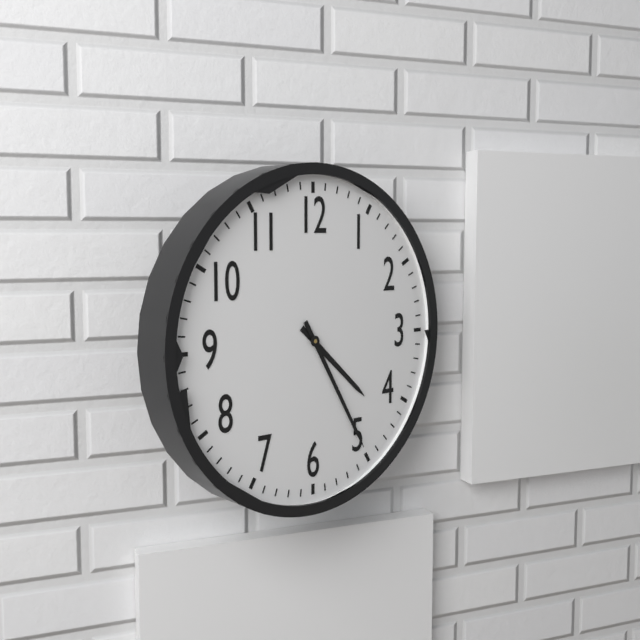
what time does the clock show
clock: 4:25
